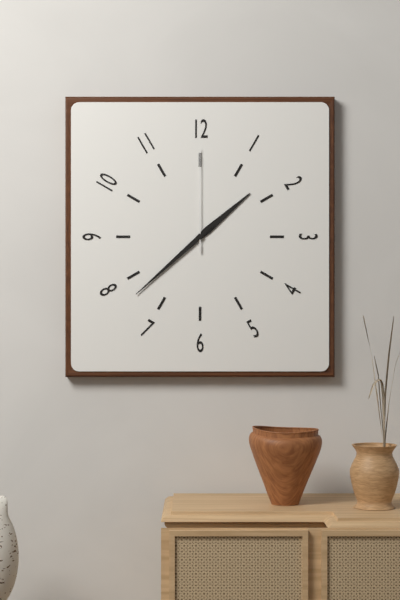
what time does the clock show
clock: 1:38:00
